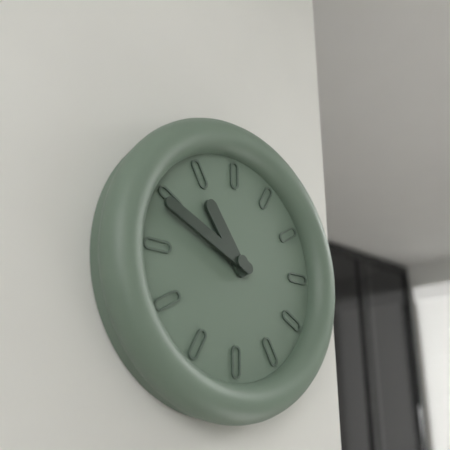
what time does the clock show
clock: 10:49
